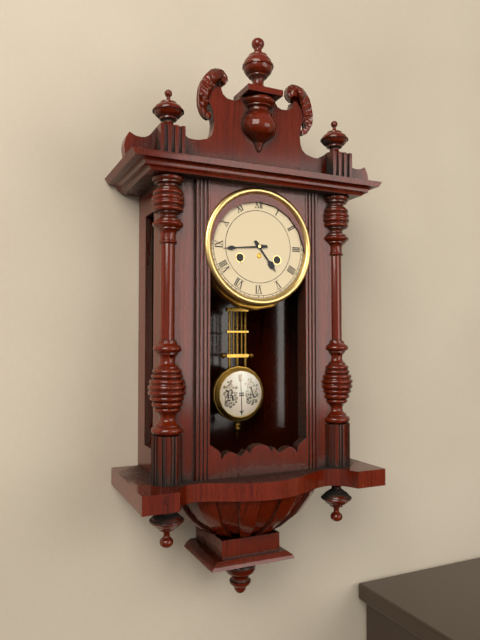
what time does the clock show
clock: 4:44
